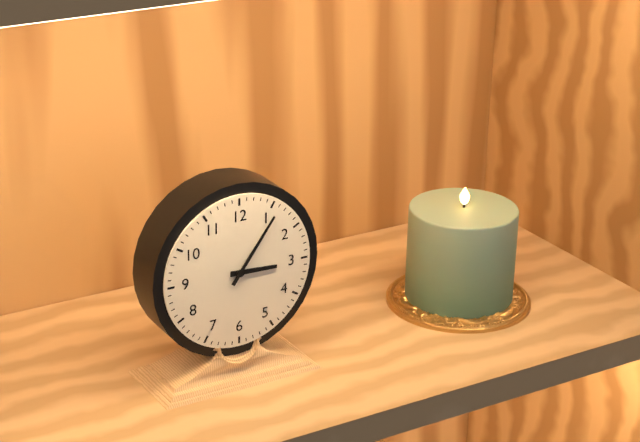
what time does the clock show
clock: 3:06
